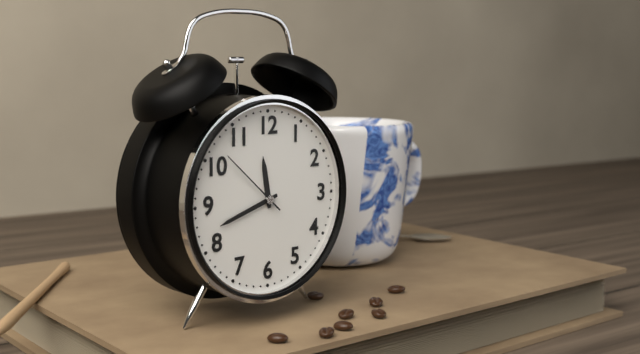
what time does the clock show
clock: 11:42:52
